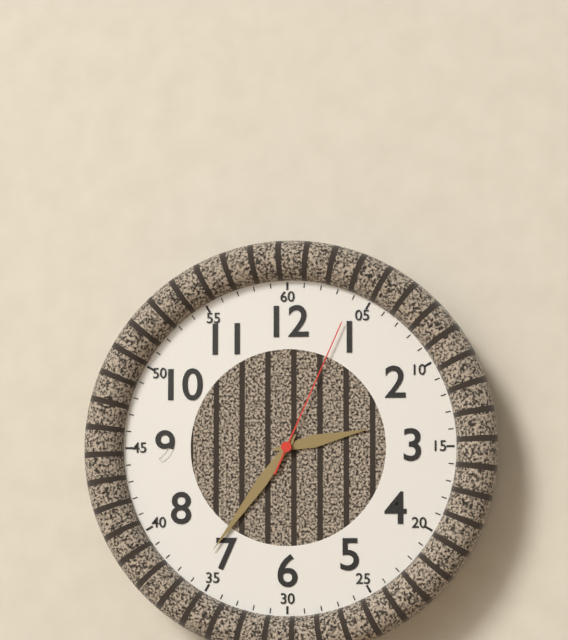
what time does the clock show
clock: 2:36:04
